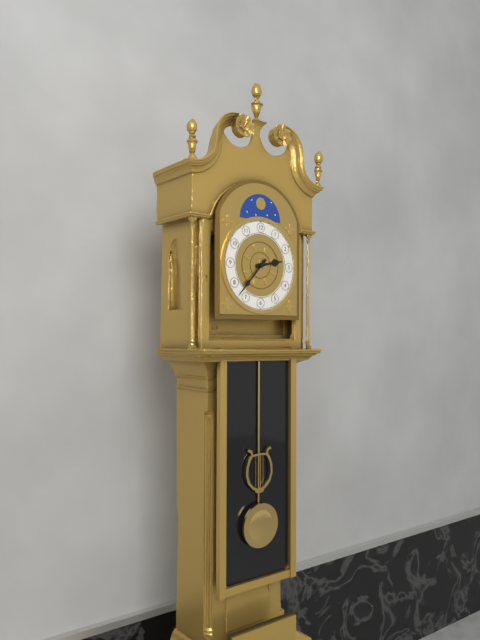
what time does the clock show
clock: 2:37
